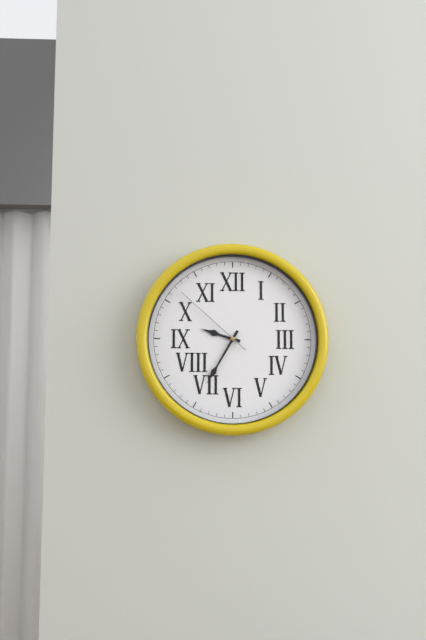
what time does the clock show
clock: 9:35:52
